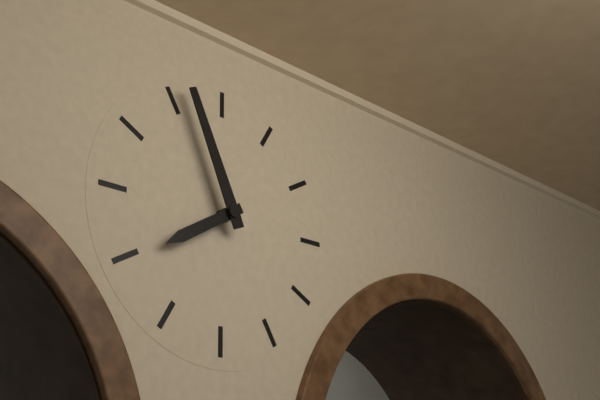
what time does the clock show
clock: 7:56
